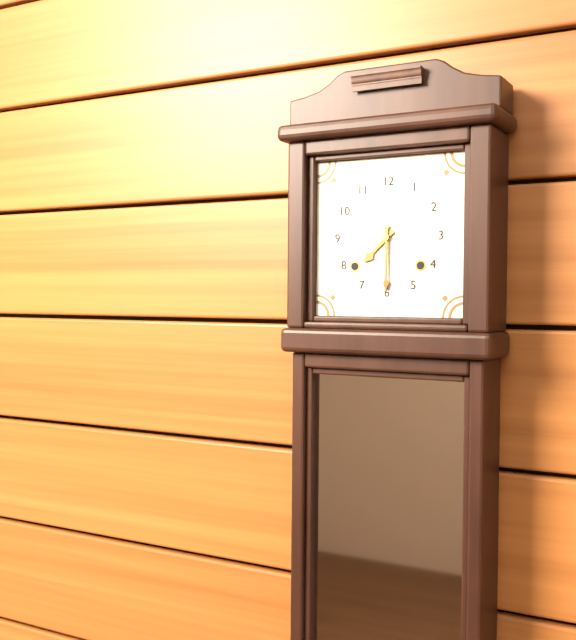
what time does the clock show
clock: 7:30
